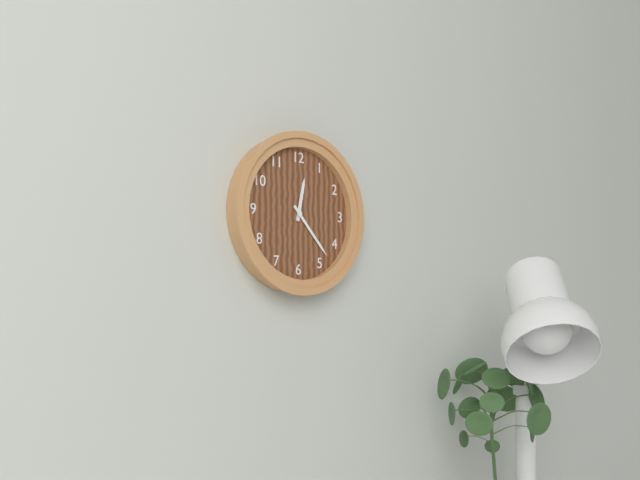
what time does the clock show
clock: 12:23
